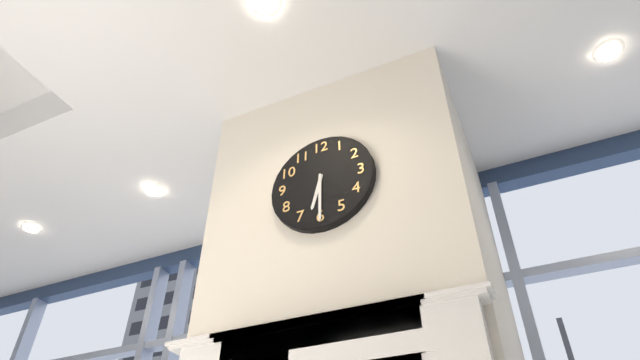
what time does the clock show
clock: 6:30
